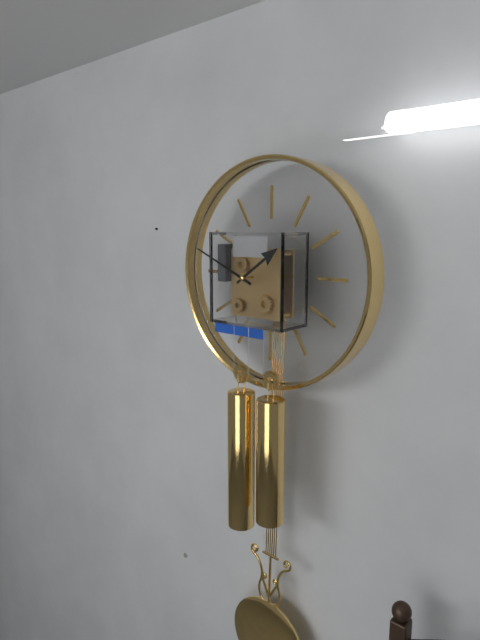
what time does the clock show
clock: 1:49
